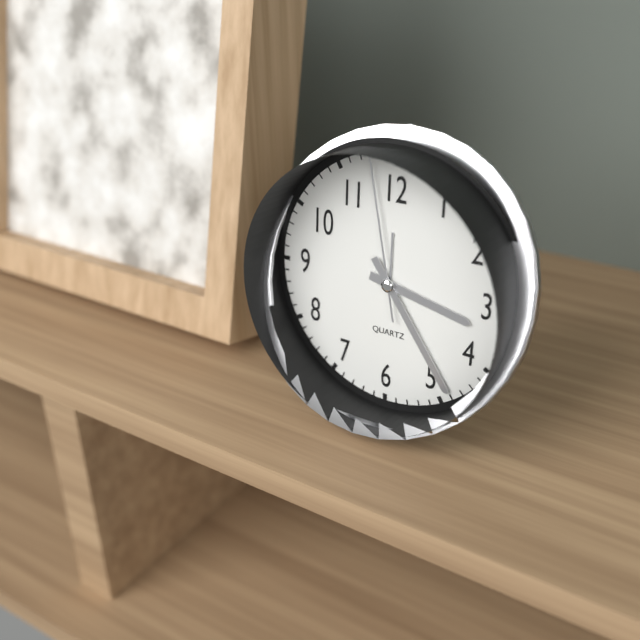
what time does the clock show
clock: 3:24:58
